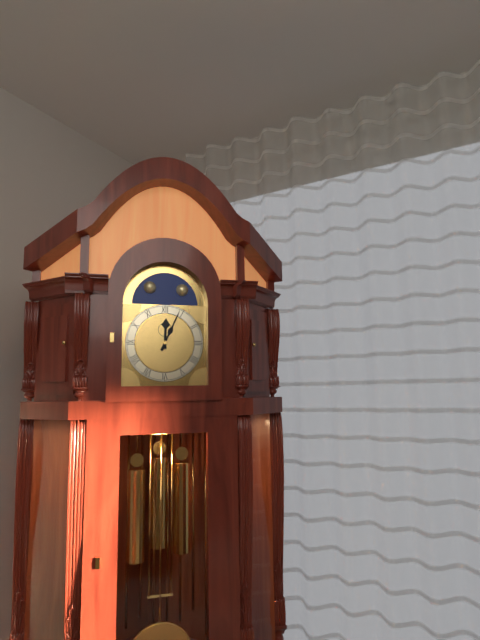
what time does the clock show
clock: 12:04
